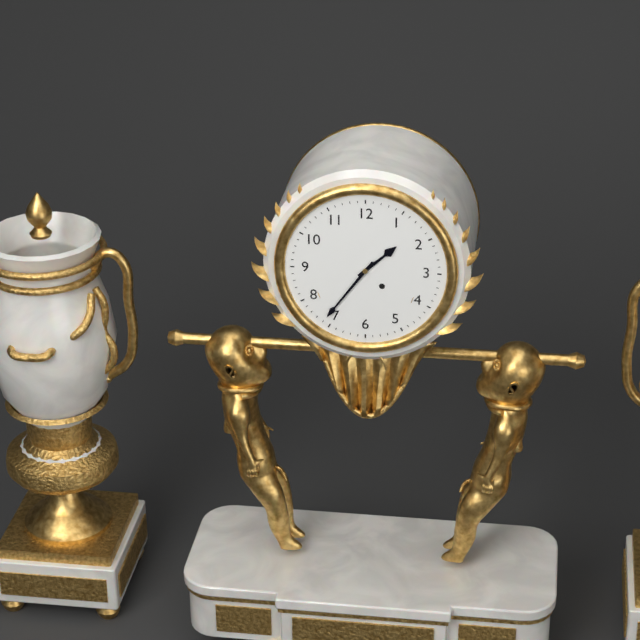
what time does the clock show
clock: 1:36
